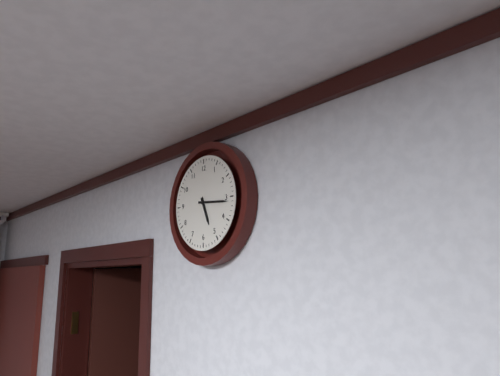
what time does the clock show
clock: 5:16
